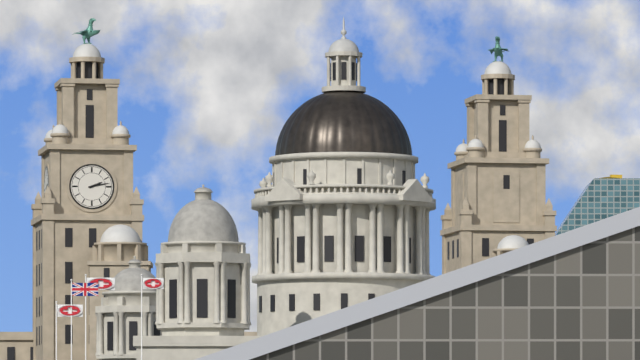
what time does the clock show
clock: 2:13
